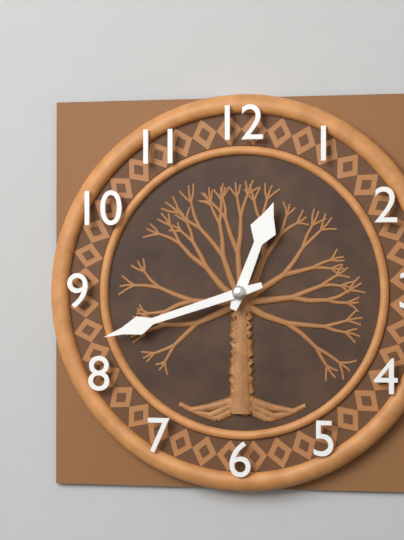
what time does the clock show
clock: 12:42
